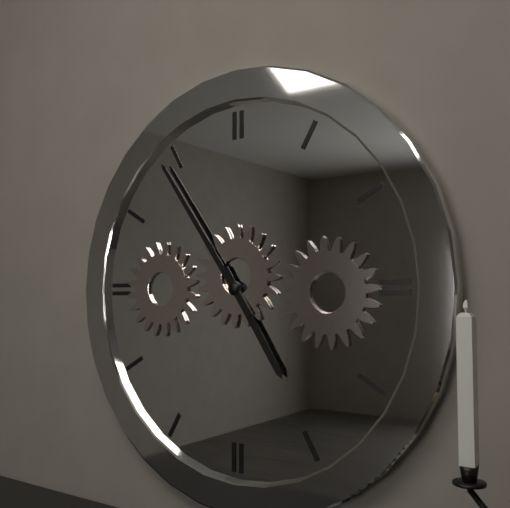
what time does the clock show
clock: 4:54
